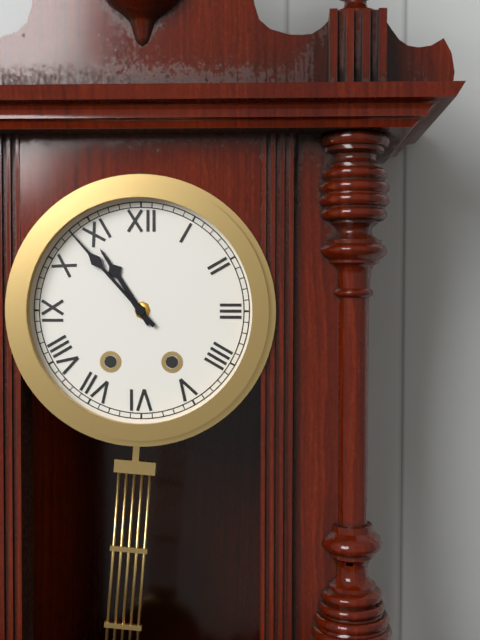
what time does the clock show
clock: 10:53
